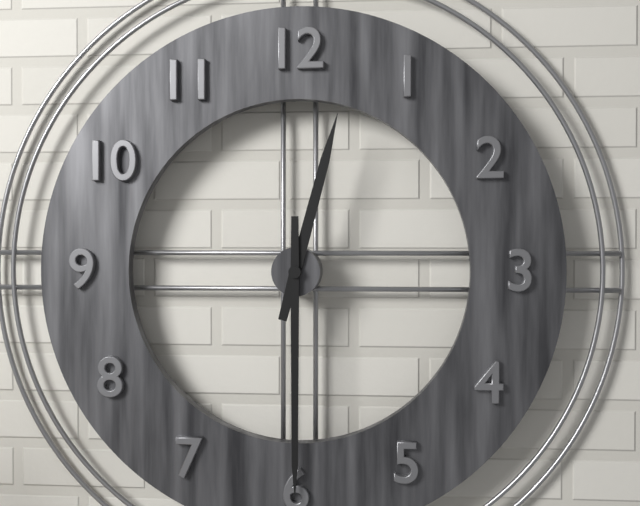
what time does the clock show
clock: 12:30
